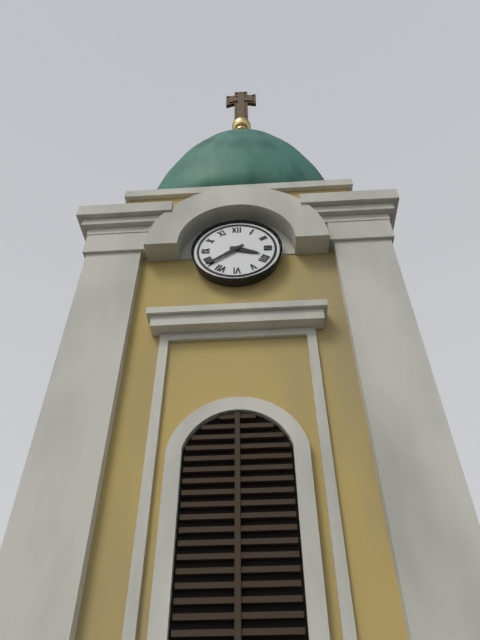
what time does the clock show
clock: 3:39
